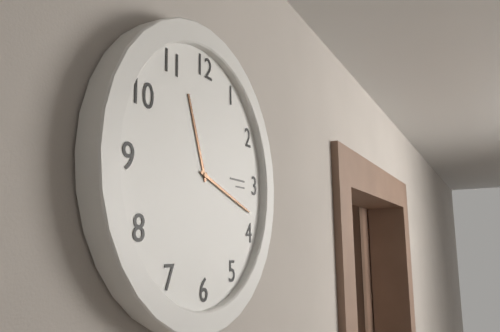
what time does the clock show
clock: 11:18
